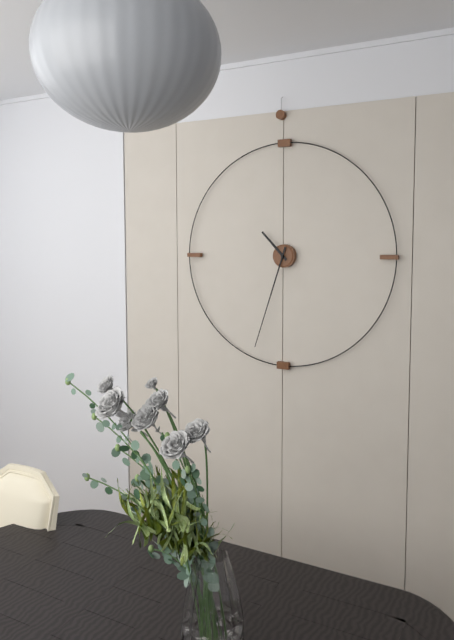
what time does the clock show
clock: 10:33
